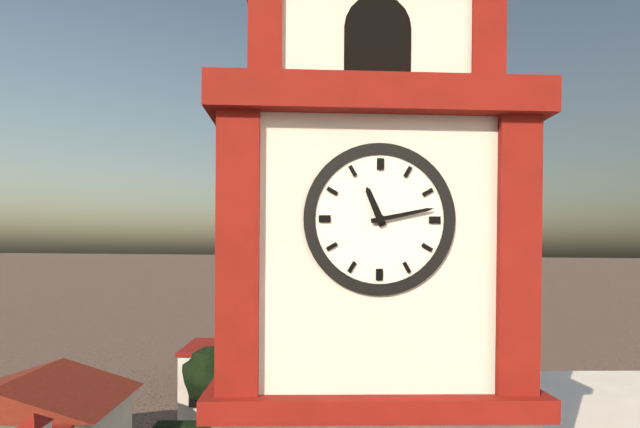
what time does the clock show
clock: 11:13
